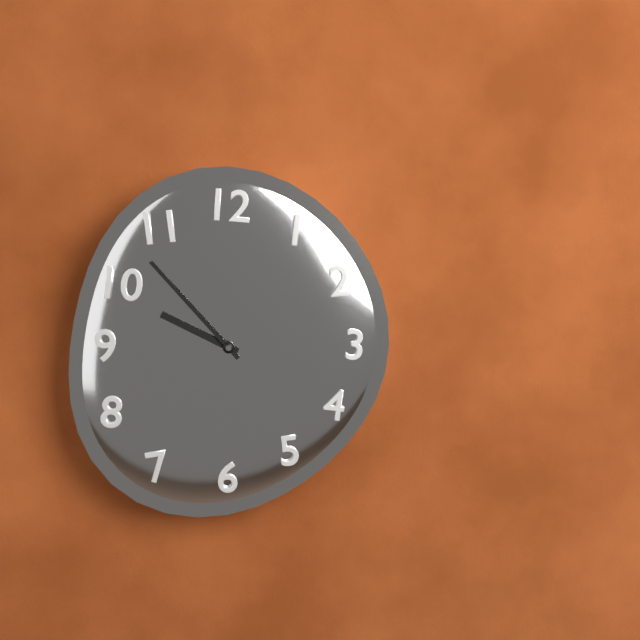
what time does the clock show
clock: 9:53
